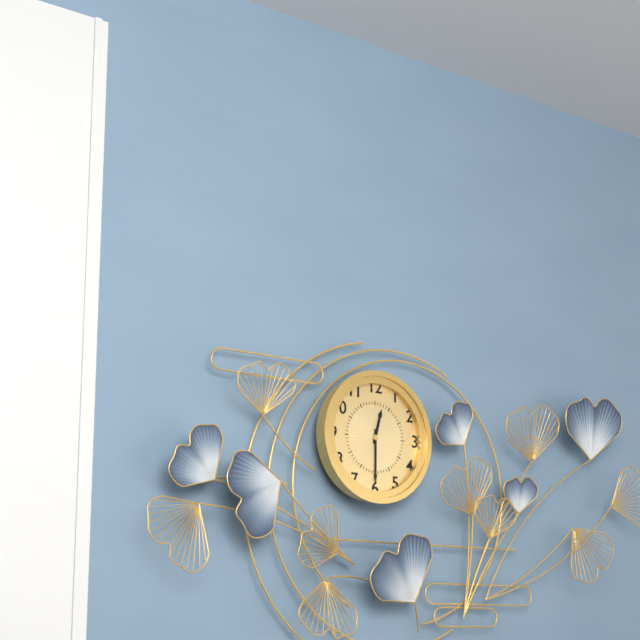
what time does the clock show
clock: 12:30
